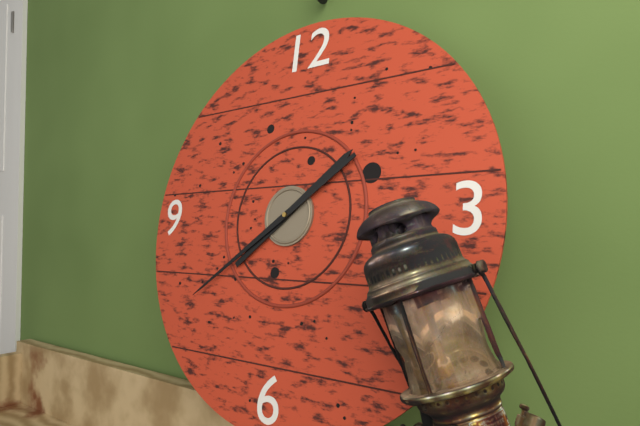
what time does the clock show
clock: 1:39
